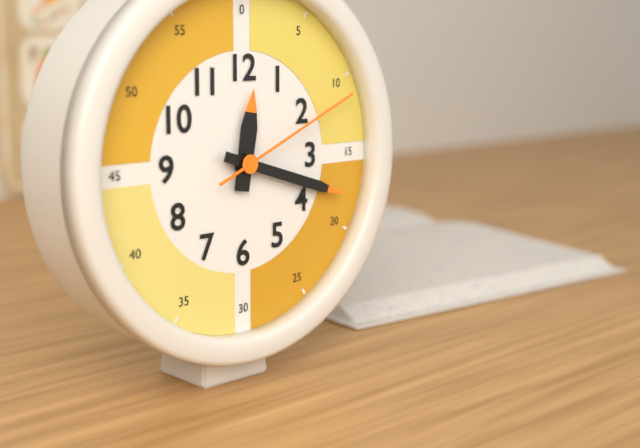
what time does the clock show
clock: 12:18:11
